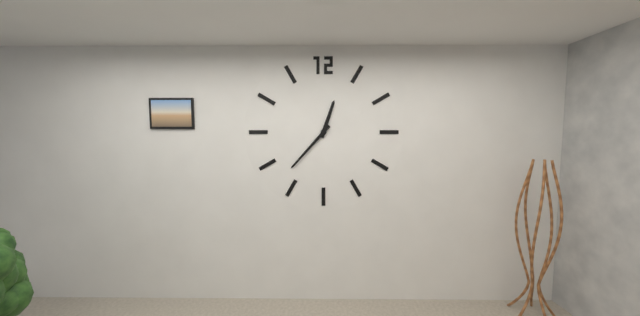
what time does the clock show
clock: 12:37
